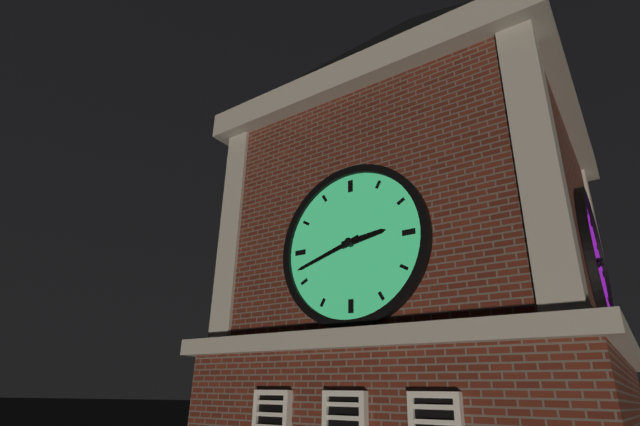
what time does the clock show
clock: 2:42
